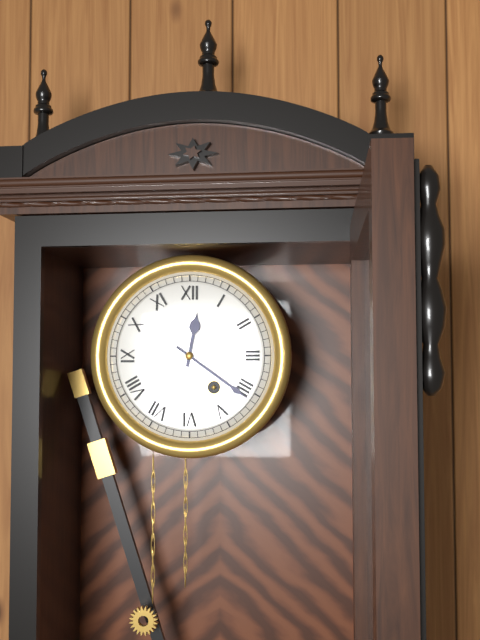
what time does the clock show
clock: 12:21
